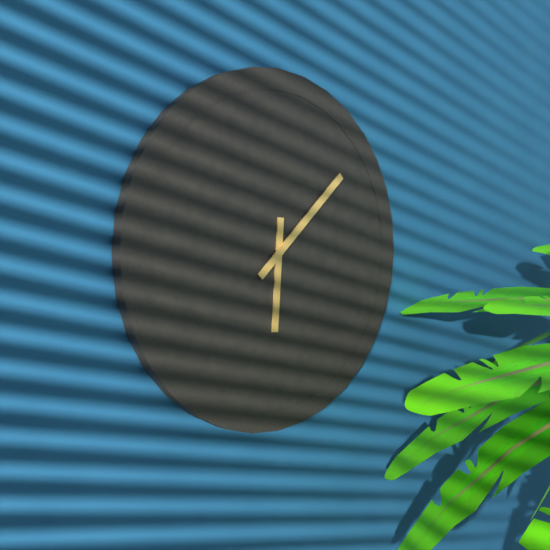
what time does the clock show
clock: 6:08
